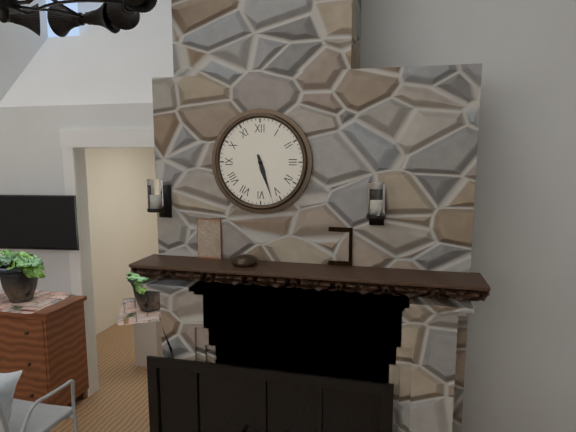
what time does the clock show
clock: 5:27
